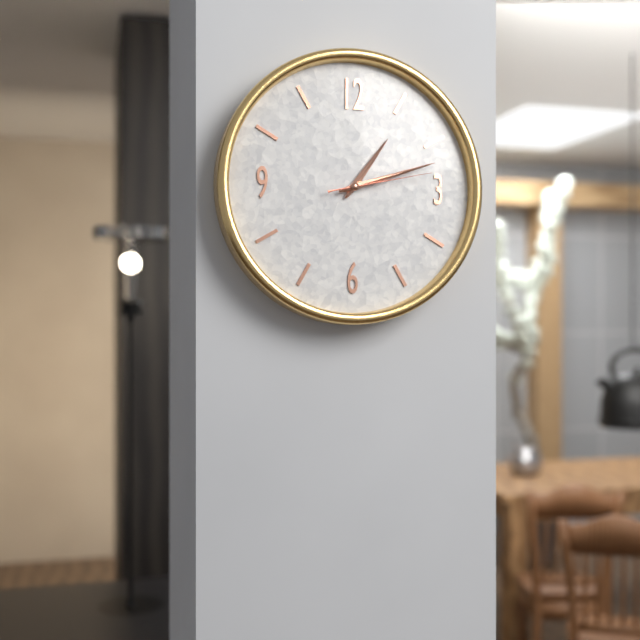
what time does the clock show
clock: 1:12:13
